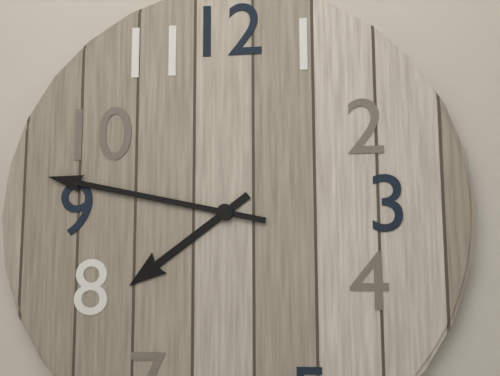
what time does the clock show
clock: 7:47
